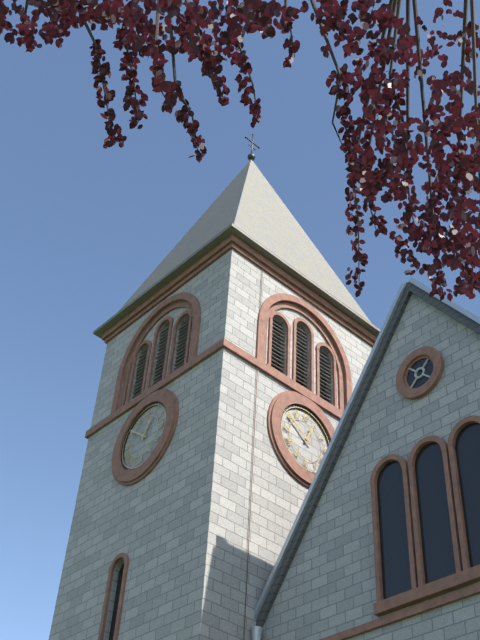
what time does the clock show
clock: 12:51
